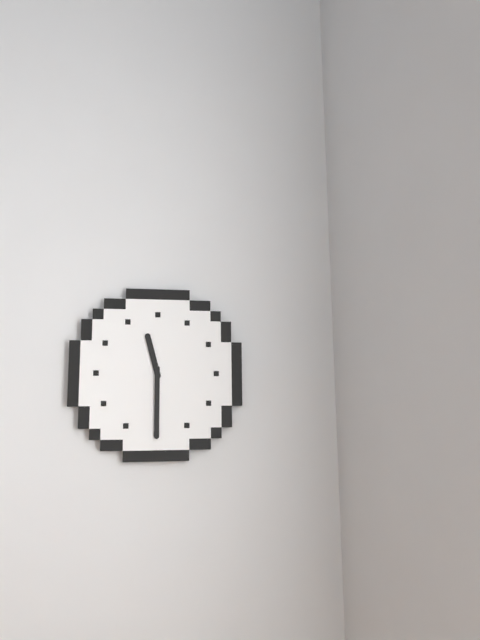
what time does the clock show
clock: 11:30
